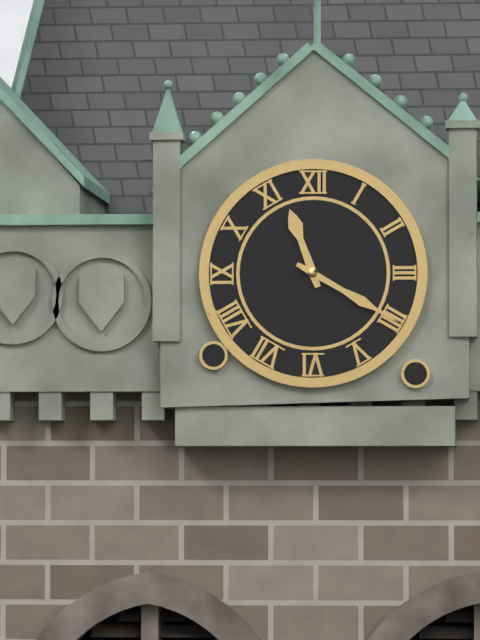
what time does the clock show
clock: 11:20
